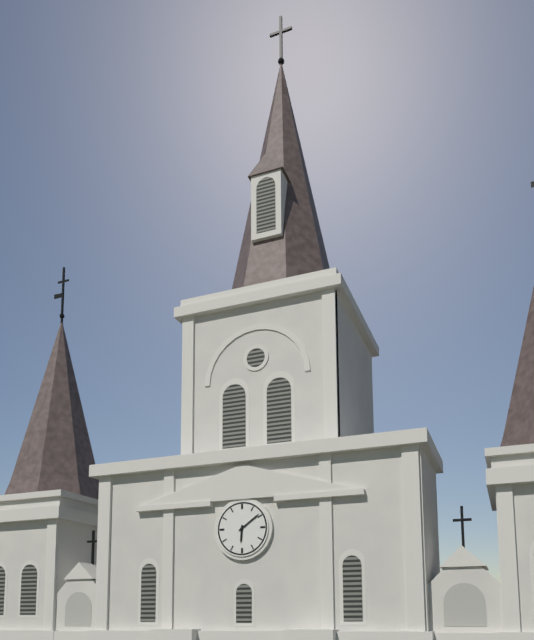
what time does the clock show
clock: 6:09
